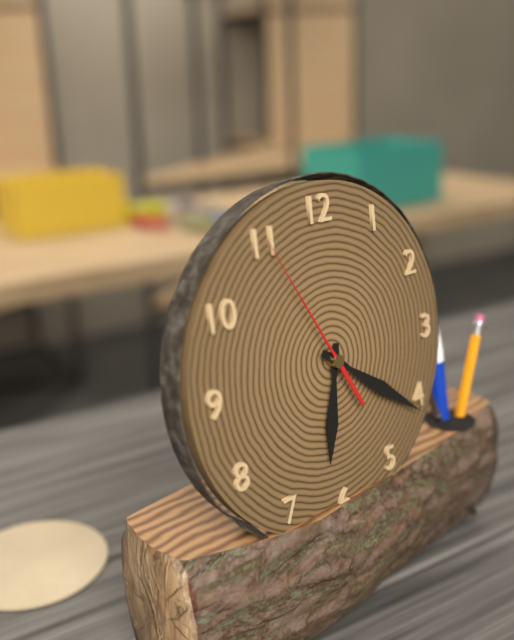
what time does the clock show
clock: 6:21:55
